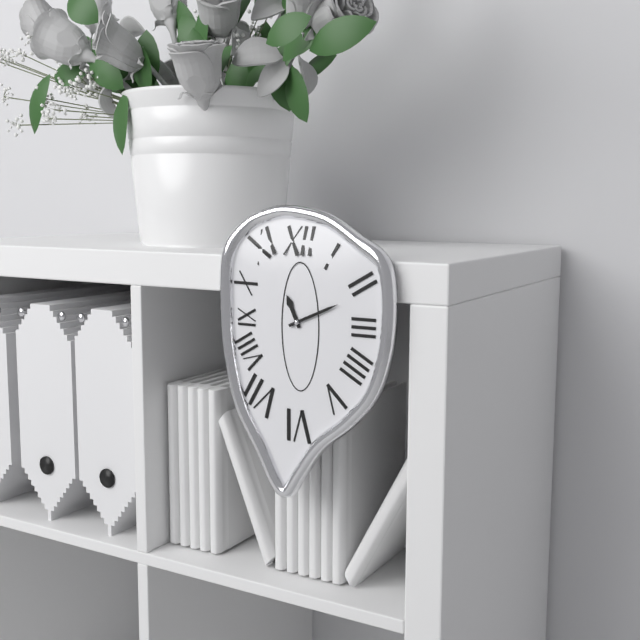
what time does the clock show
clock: 11:11
